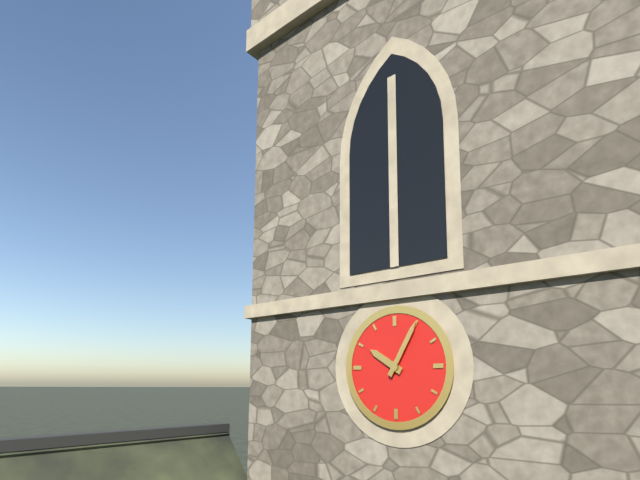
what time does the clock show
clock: 10:05
